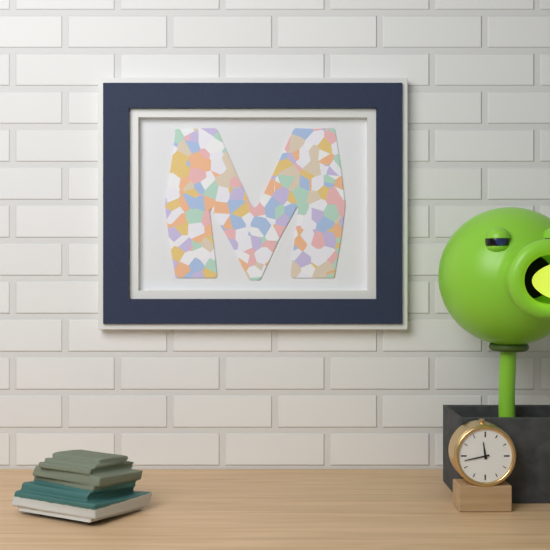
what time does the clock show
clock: 11:43
